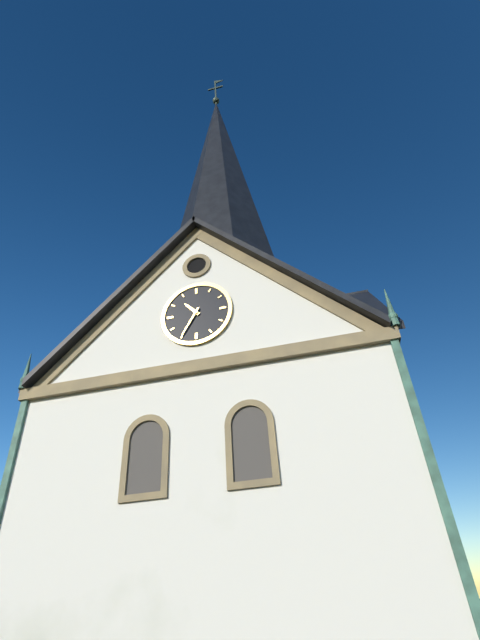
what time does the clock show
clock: 10:35
